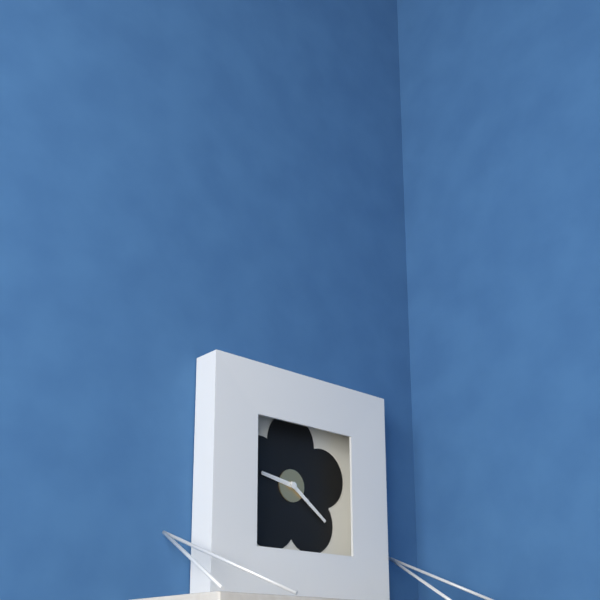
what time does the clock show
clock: 9:21
